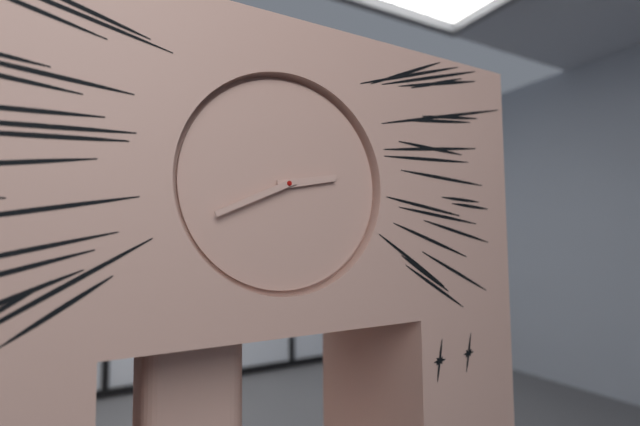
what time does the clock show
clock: 2:41
